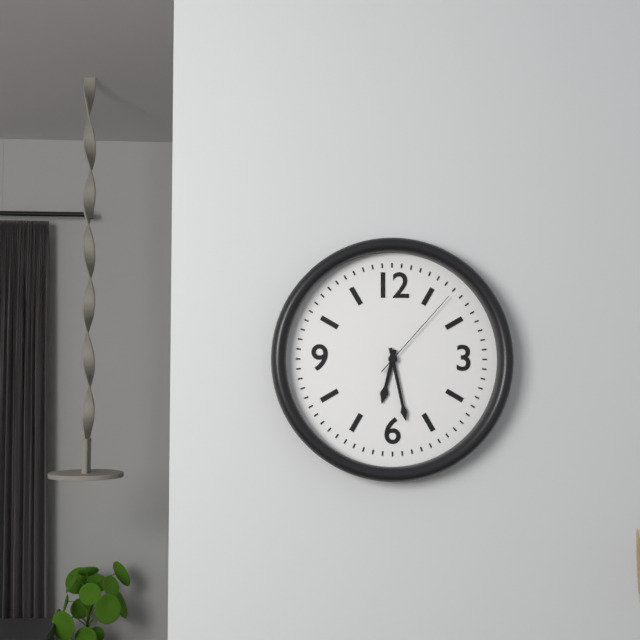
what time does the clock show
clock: 6:28:07
